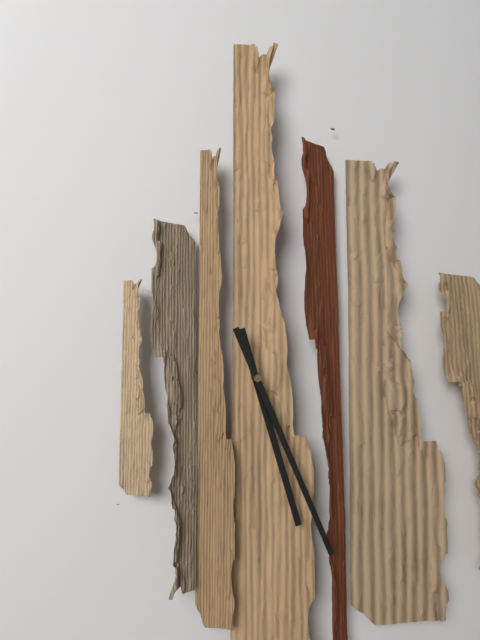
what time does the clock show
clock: 5:26
